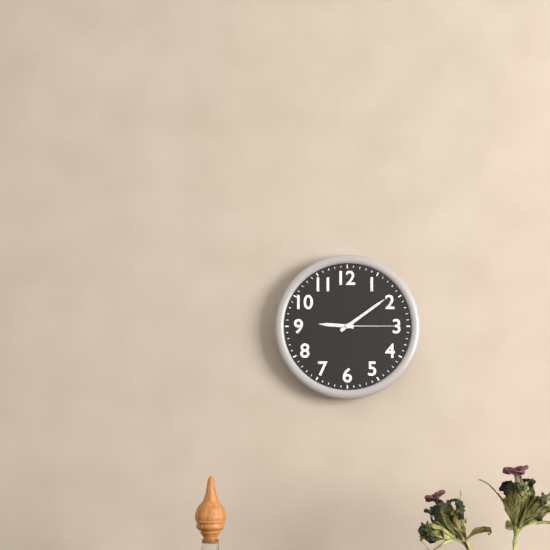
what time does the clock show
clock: 9:09:15
